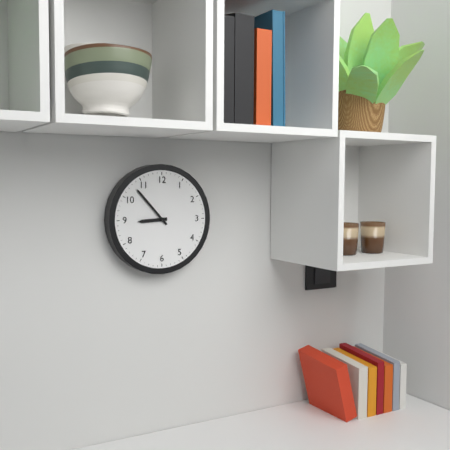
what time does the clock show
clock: 8:53
